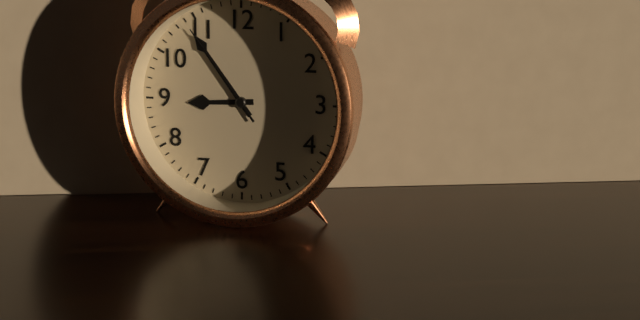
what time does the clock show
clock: 8:54:54
